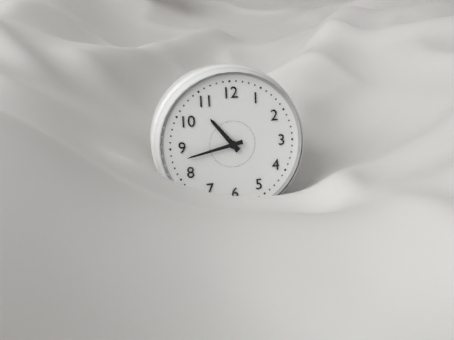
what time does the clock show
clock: 10:43
